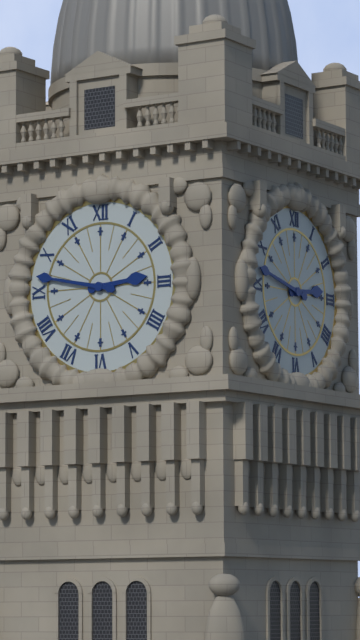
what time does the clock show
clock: 2:47
